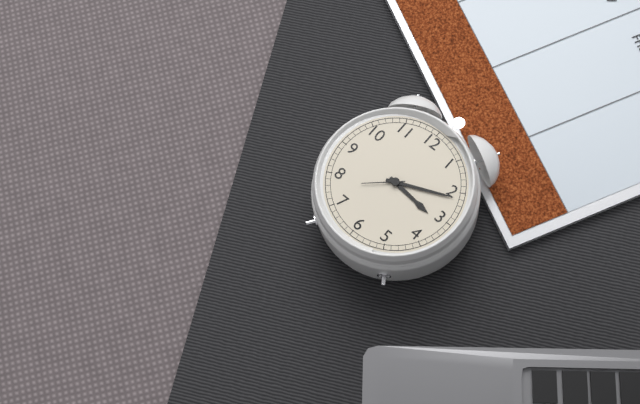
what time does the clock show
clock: 3:11
